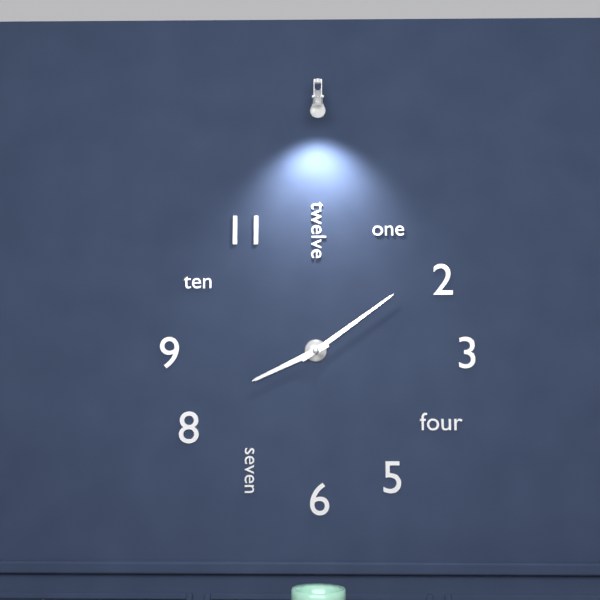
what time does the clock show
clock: 8:09
